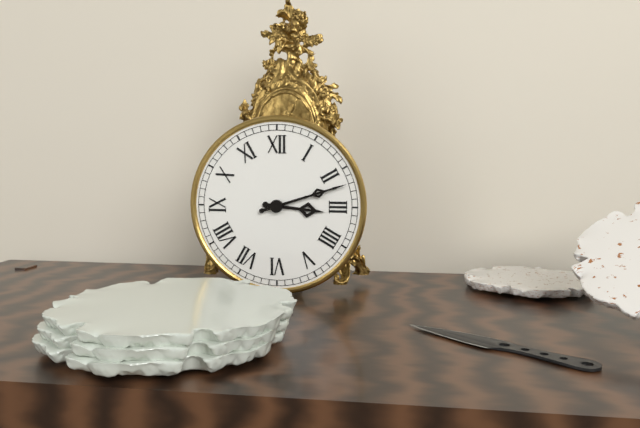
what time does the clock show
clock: 3:12
